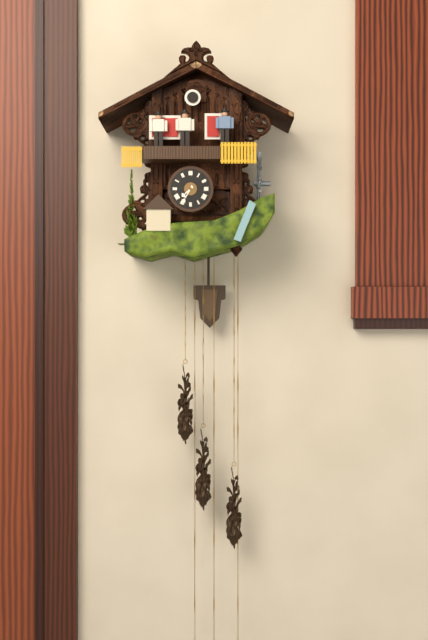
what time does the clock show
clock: 7:35
